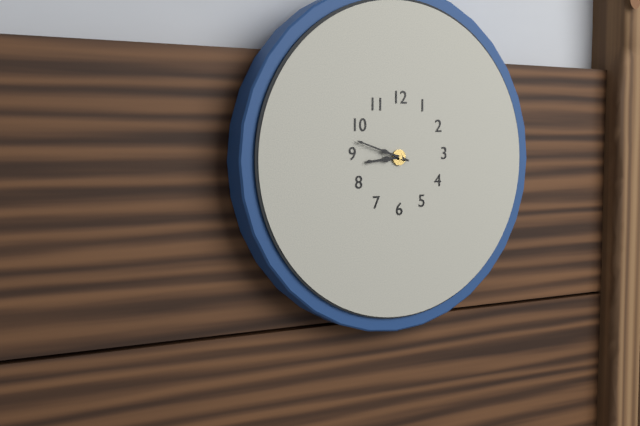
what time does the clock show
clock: 8:48
